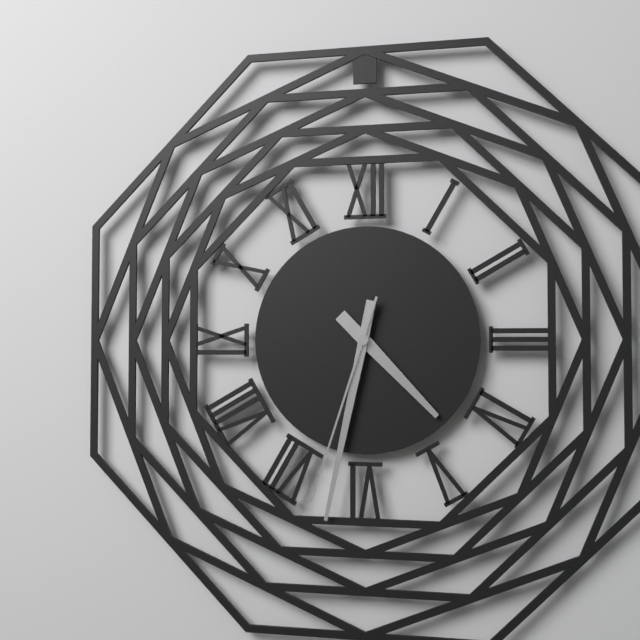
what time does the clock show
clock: 4:32:33
